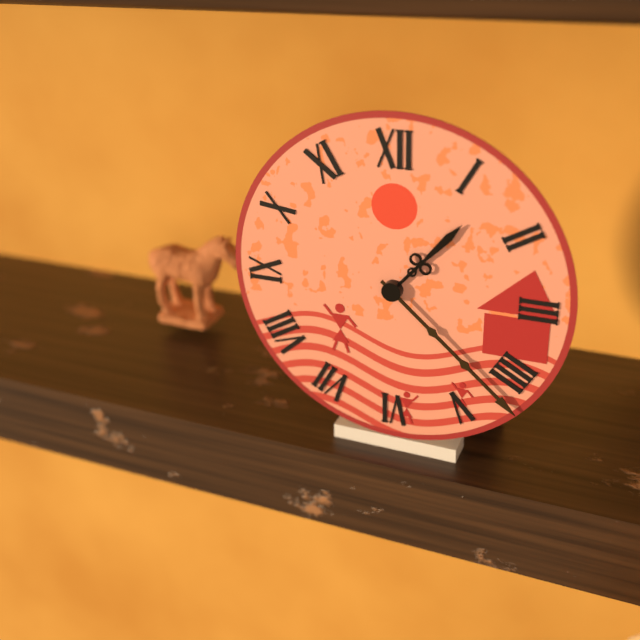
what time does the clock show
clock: 1:22
